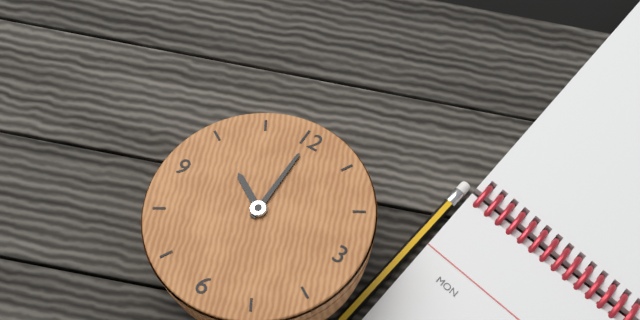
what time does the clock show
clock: 10:00
